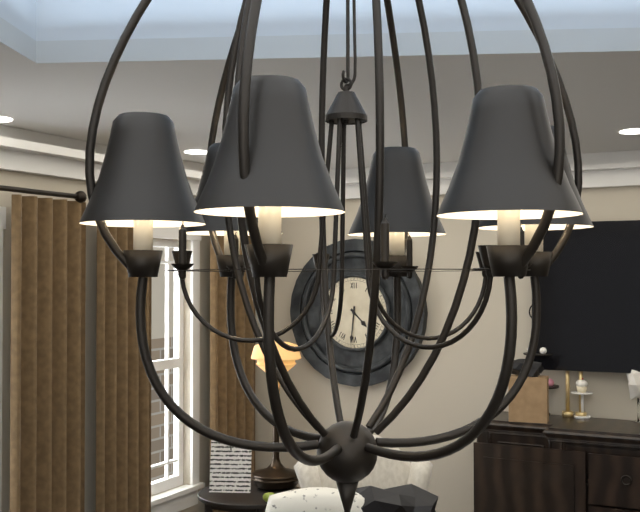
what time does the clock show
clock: 4:31
